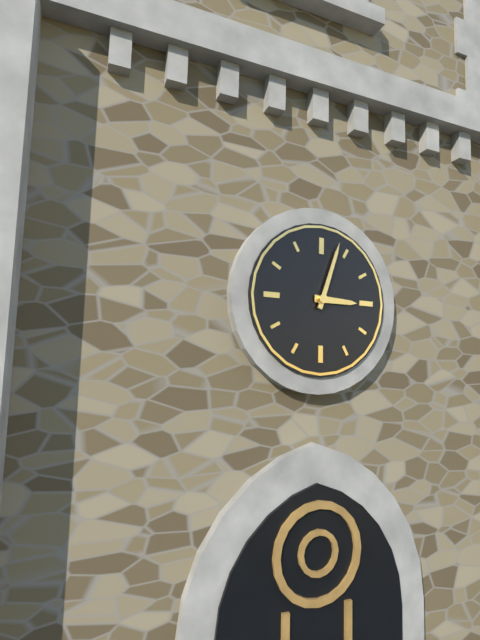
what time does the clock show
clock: 3:03
